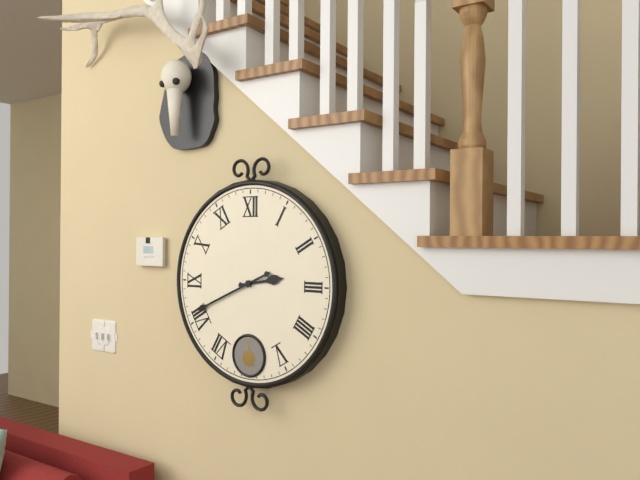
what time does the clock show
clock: 2:41
